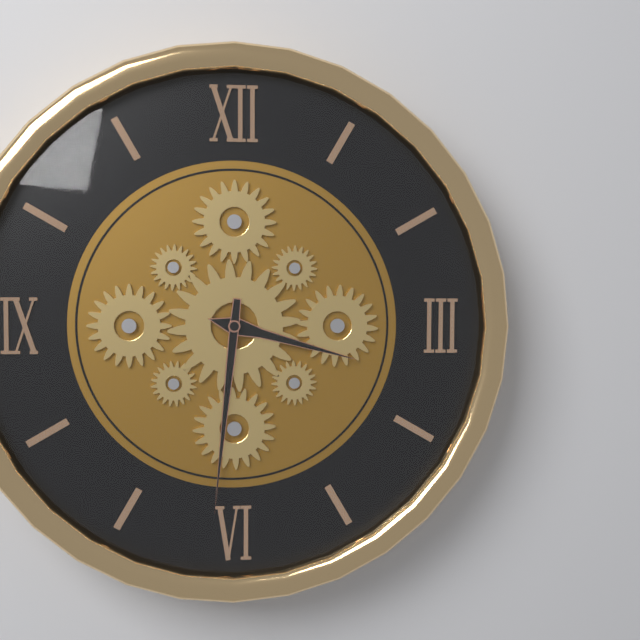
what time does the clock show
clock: 3:31
